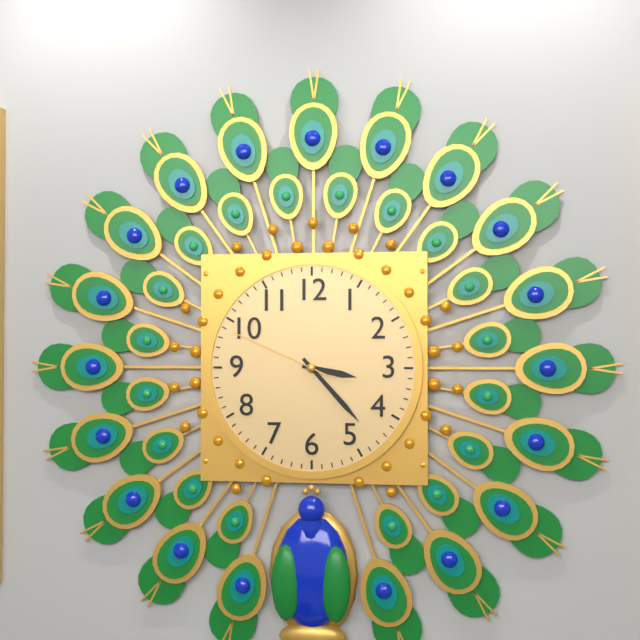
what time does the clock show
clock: 3:23:49
